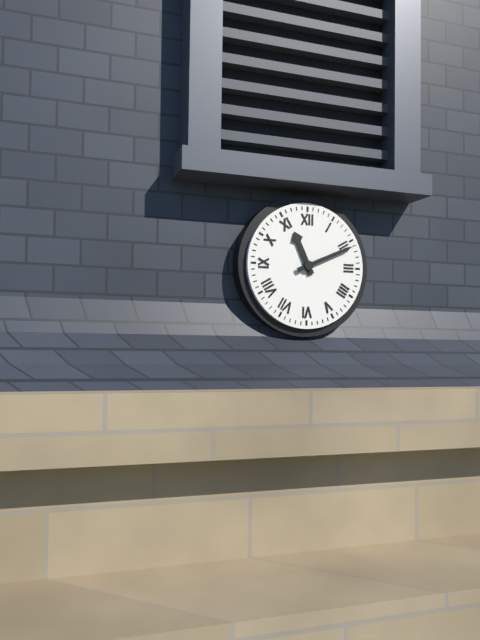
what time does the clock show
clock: 11:11
